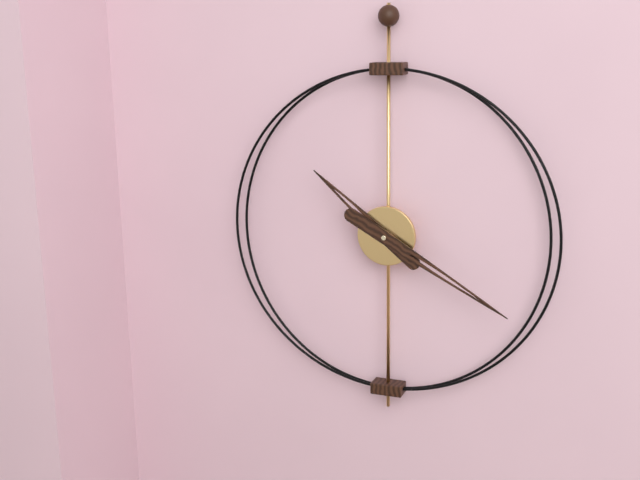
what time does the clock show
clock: 10:20
